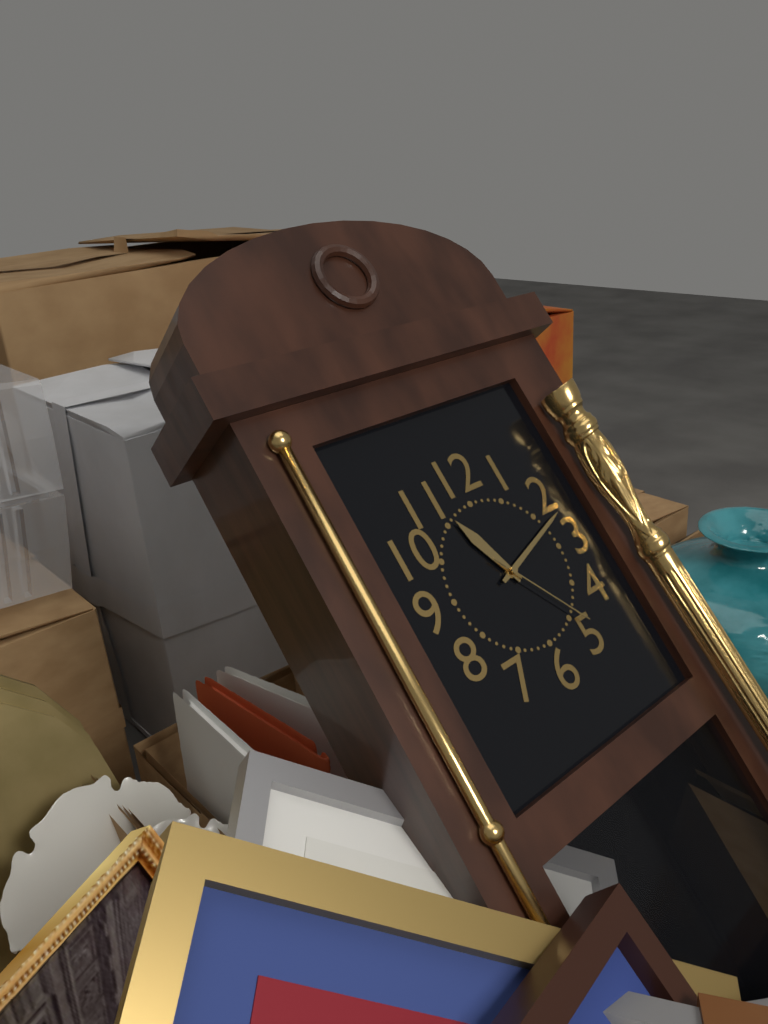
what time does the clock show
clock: 11:12:24
